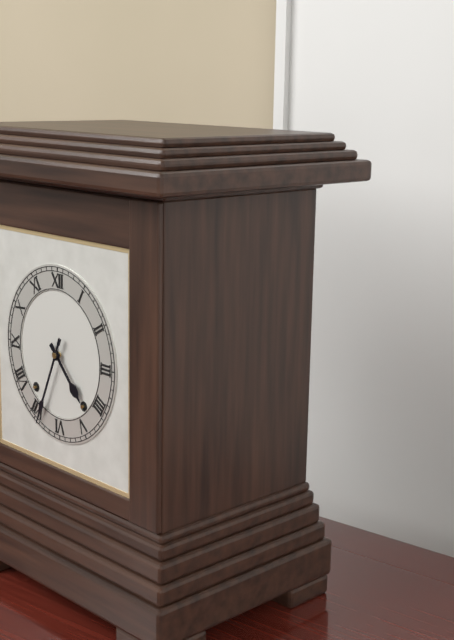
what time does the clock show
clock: 4:34
